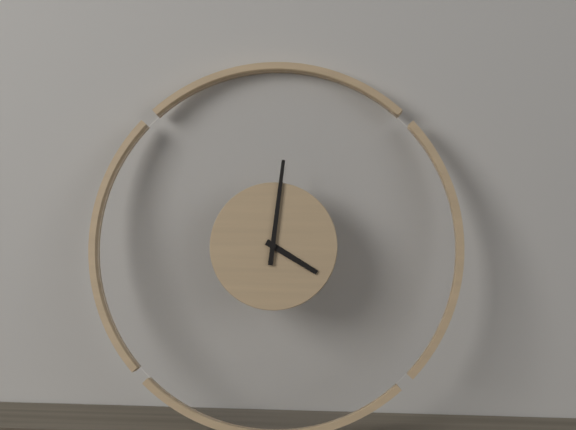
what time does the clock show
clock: 4:01
